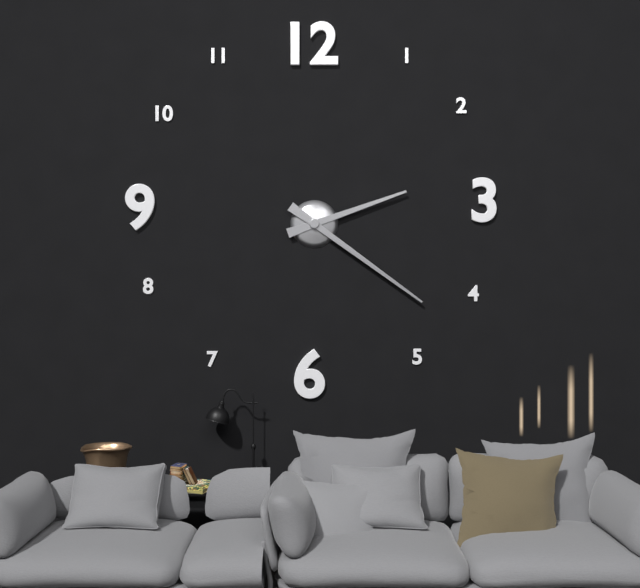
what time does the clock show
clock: 2:21
